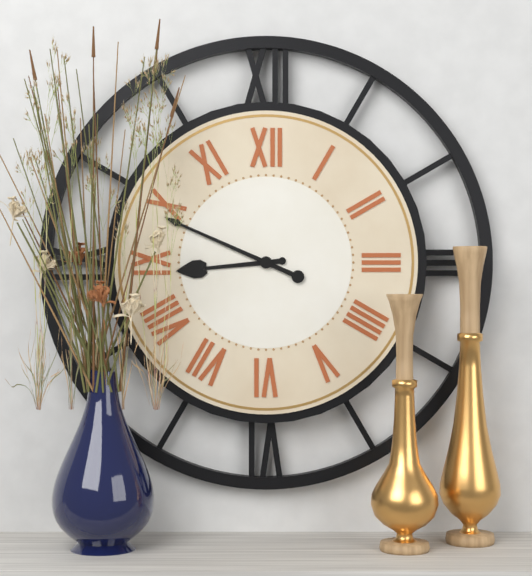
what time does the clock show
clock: 8:49
